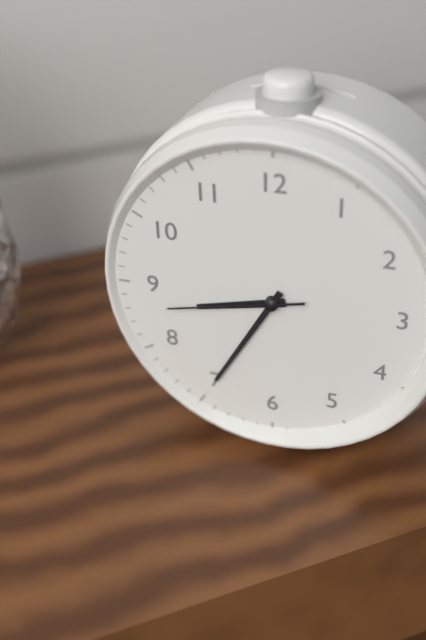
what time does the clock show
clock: 8:35:43
